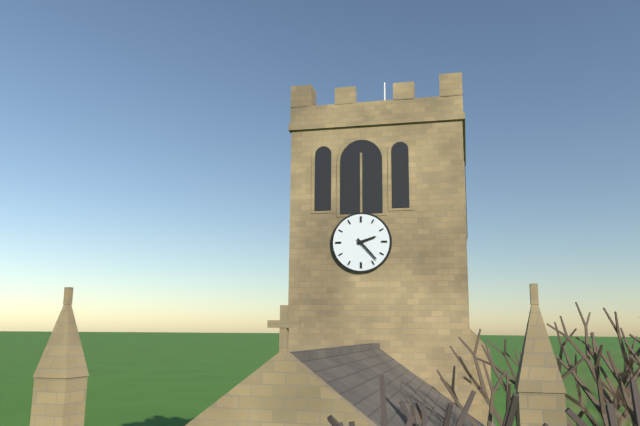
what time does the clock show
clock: 2:23
